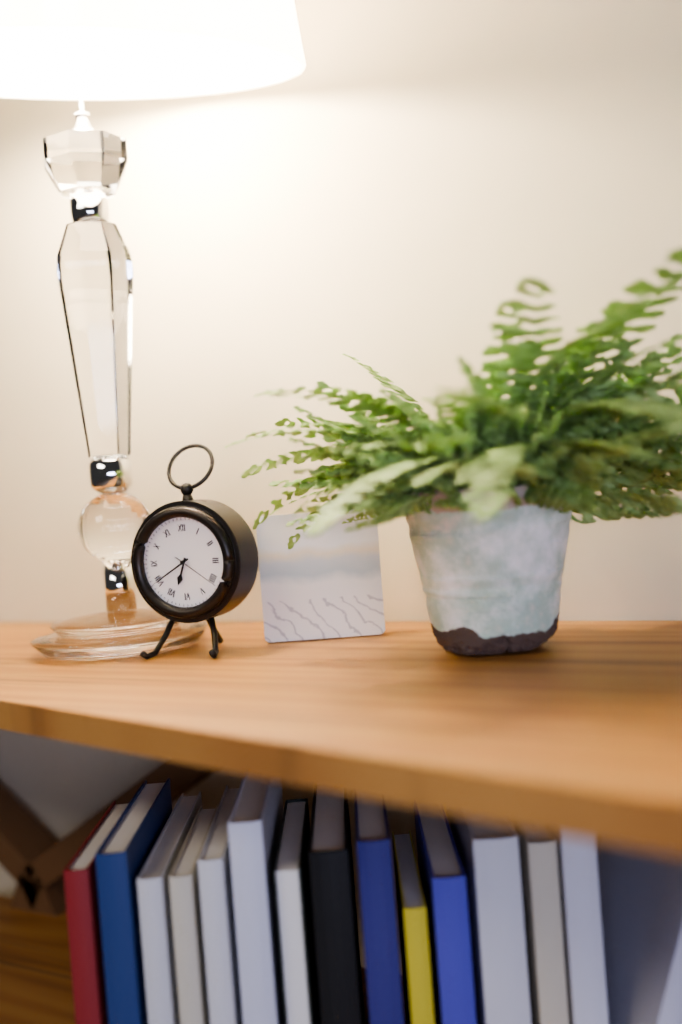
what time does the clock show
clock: 6:40
